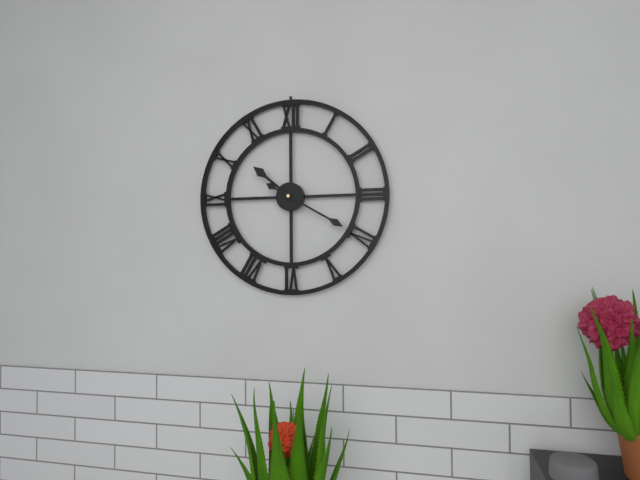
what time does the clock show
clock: 10:20
